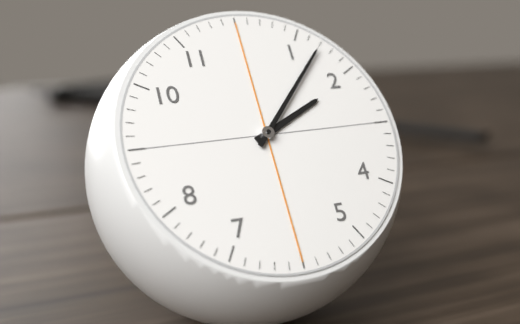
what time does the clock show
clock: 2:07
